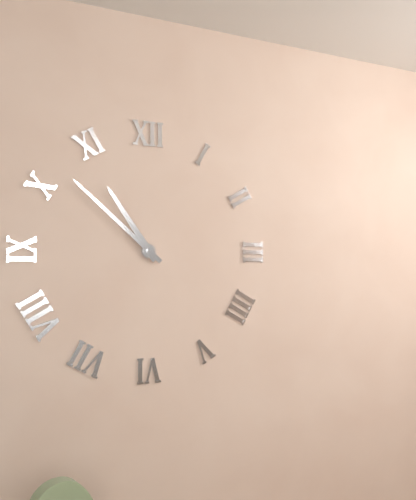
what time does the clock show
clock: 10:52
